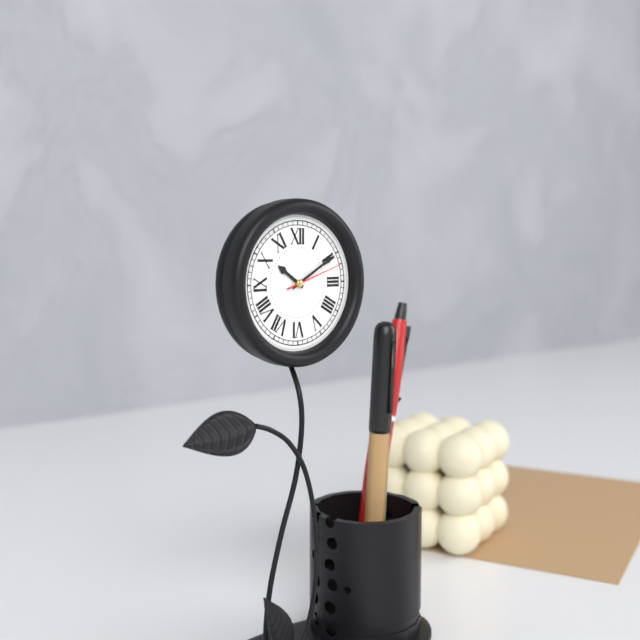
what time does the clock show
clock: 10:10:12
